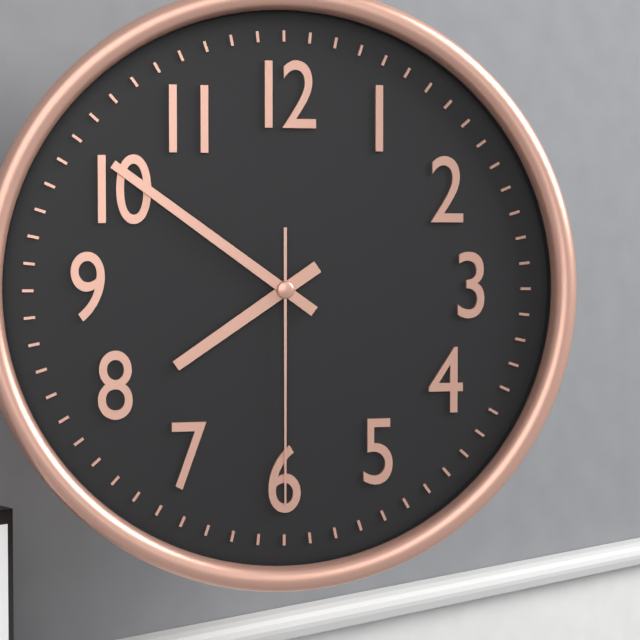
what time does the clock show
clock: 7:51:30
